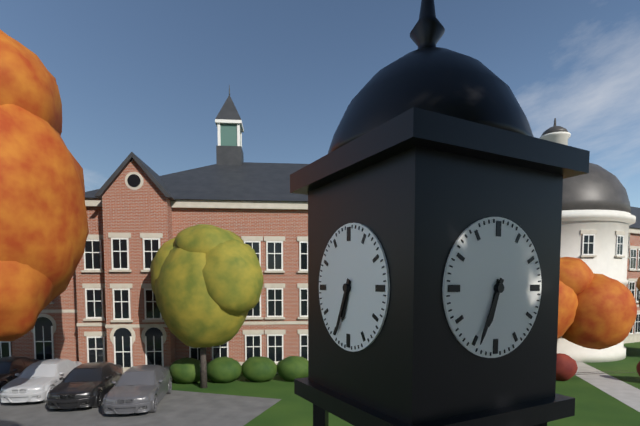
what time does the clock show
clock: 6:34
